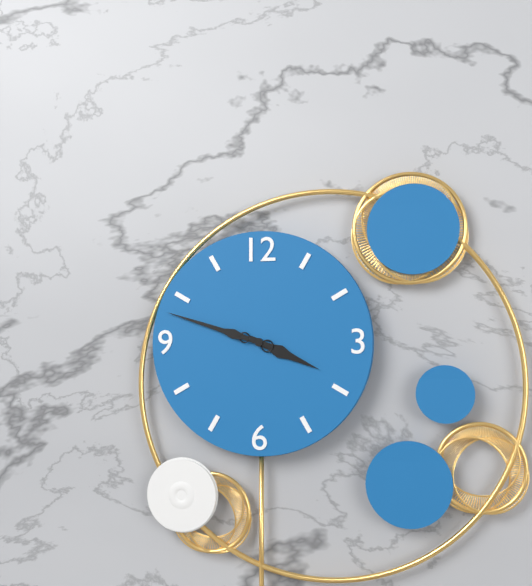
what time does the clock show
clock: 3:48
